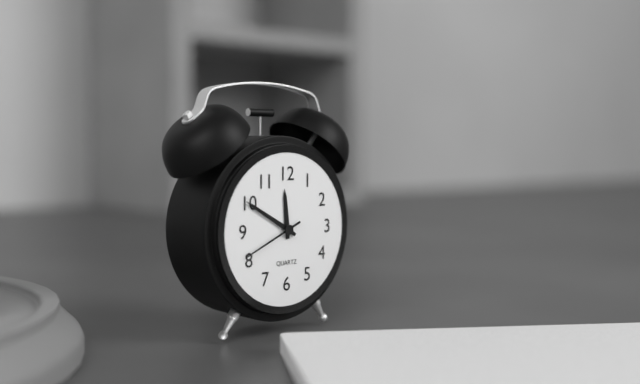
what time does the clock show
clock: 11:50:41
